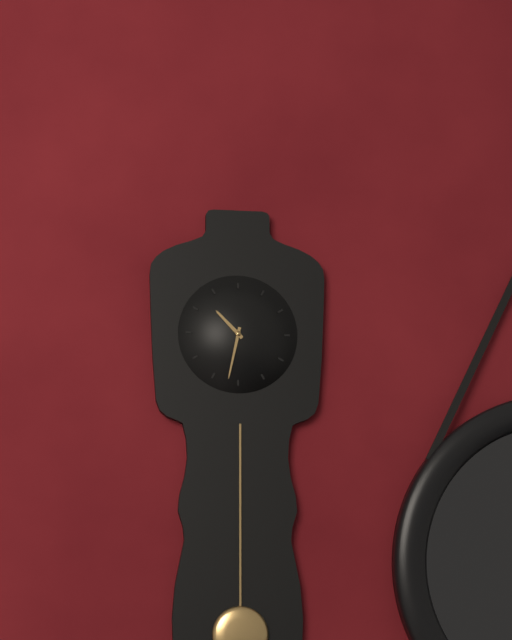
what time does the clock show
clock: 10:32
